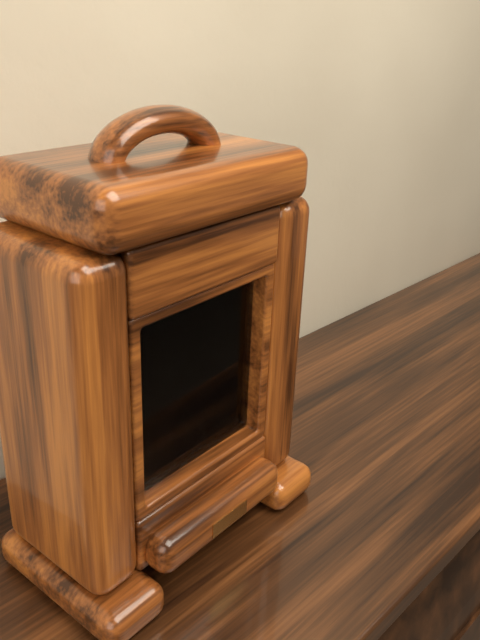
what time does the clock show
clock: 12:12:12
